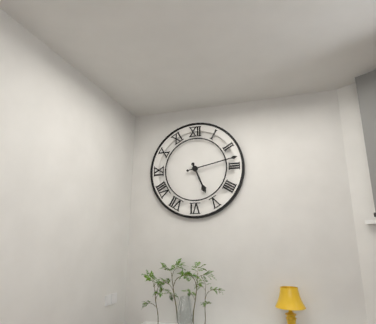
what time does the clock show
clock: 5:13
